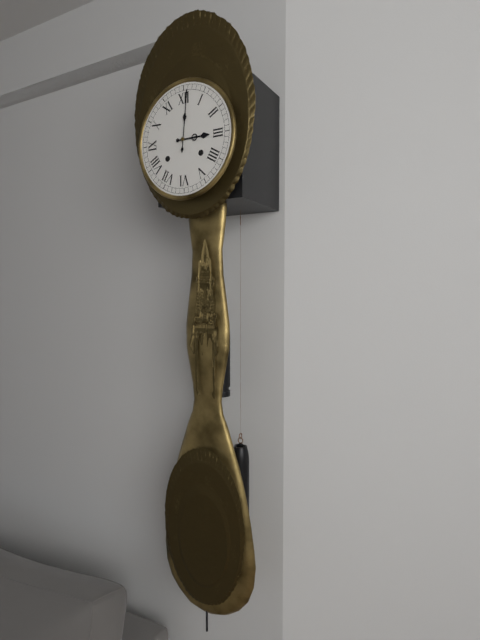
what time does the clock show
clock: 3:01
